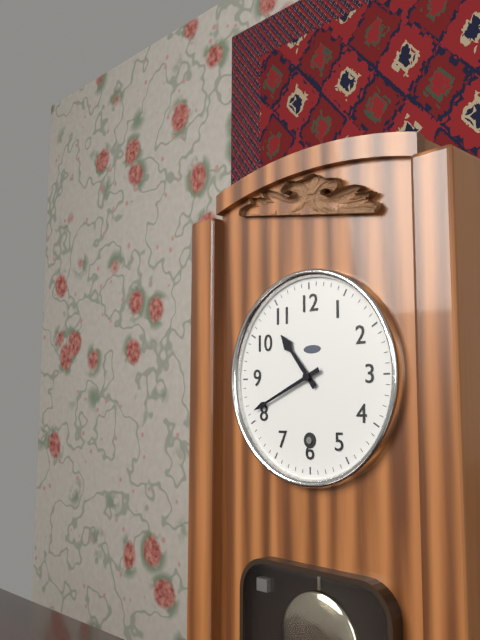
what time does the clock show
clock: 10:41
